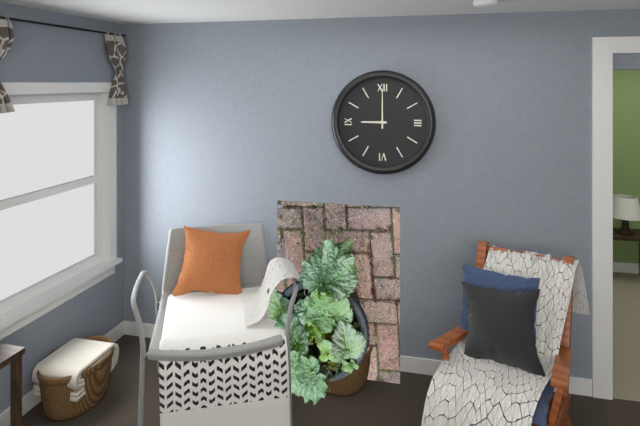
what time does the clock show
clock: 9:00
